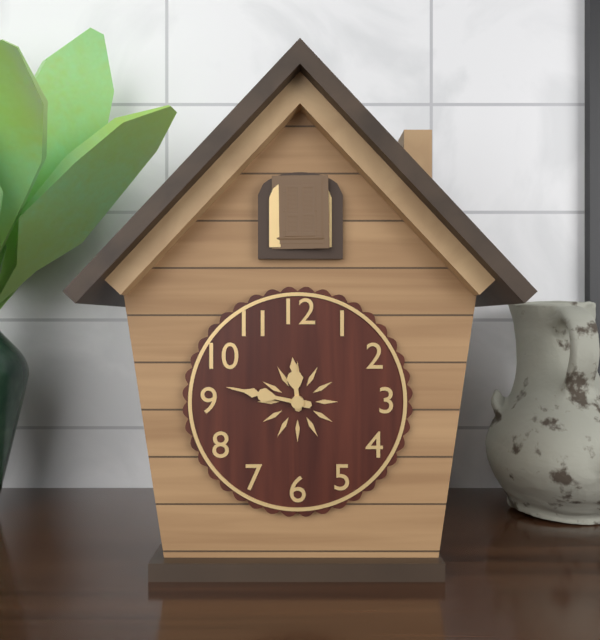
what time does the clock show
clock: 11:47
